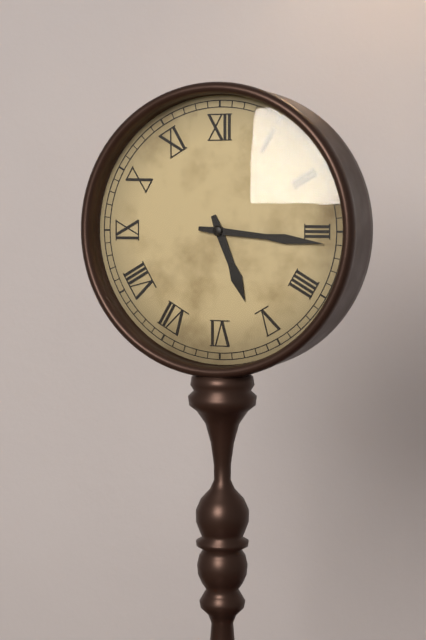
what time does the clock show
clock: 5:16
